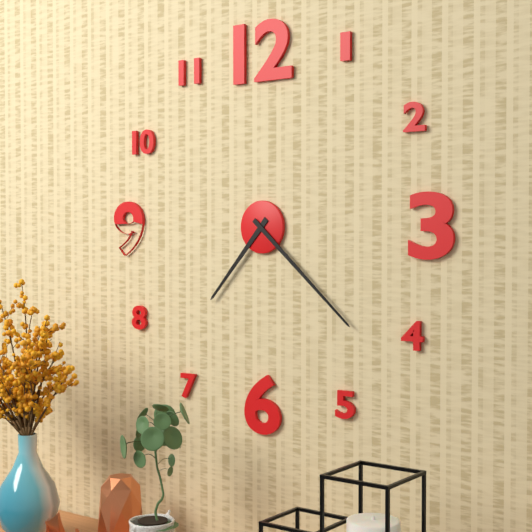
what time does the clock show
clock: 7:22
